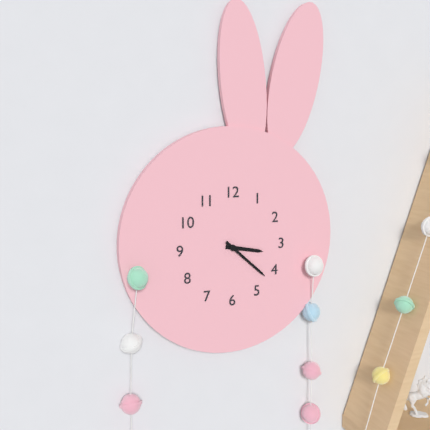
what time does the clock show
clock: 3:22
